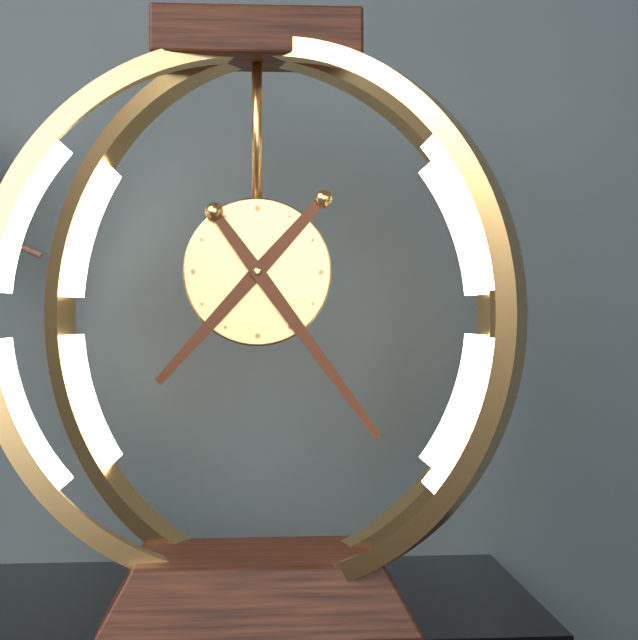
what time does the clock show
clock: 7:24
